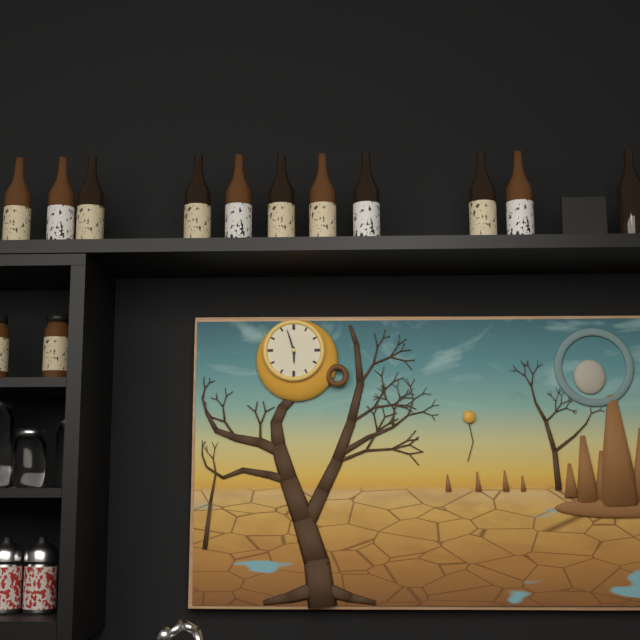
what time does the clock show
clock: 5:57
